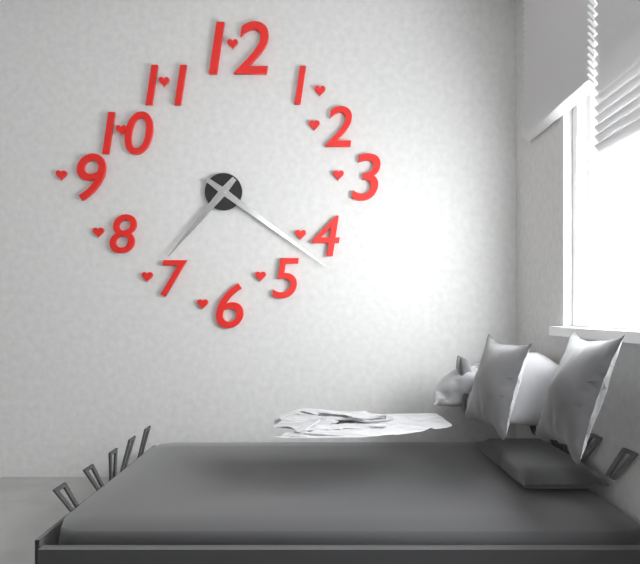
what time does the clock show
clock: 7:21
